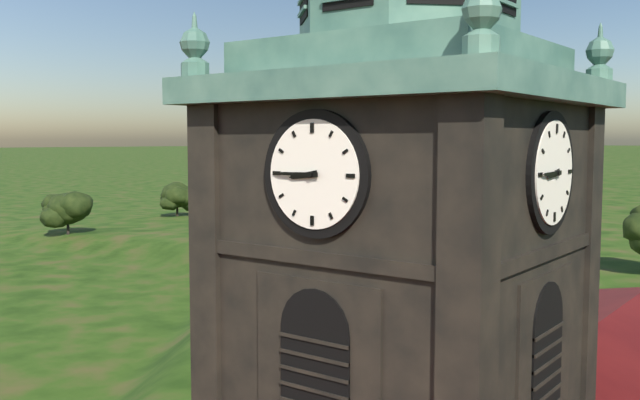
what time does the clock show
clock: 8:45
